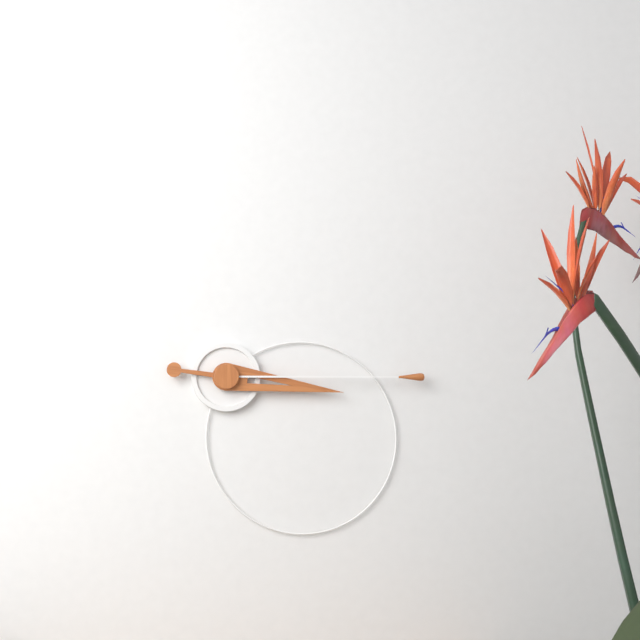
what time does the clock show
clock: 3:15
